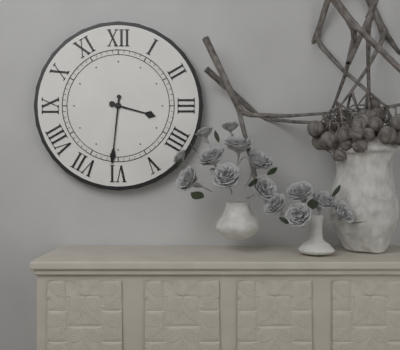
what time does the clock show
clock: 3:31
